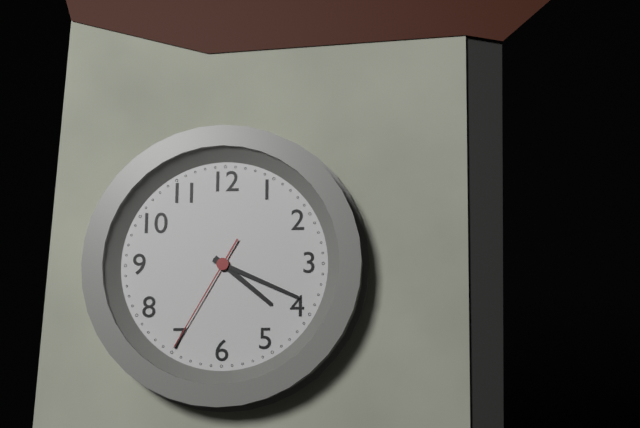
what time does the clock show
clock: 4:19:35
